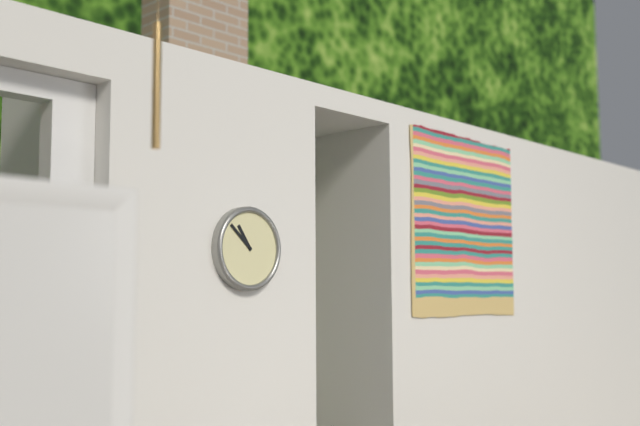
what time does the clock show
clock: 10:52
